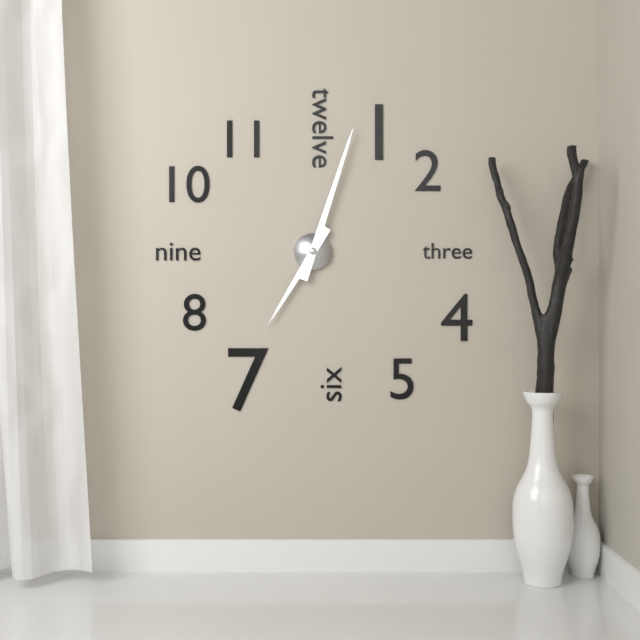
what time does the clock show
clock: 7:03
